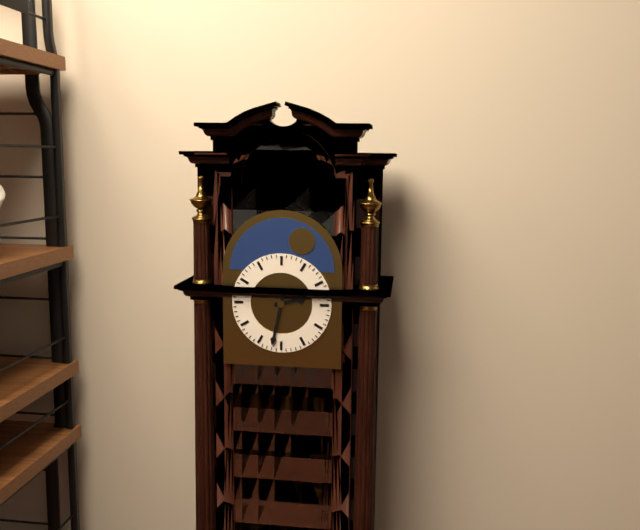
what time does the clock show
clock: 2:32
